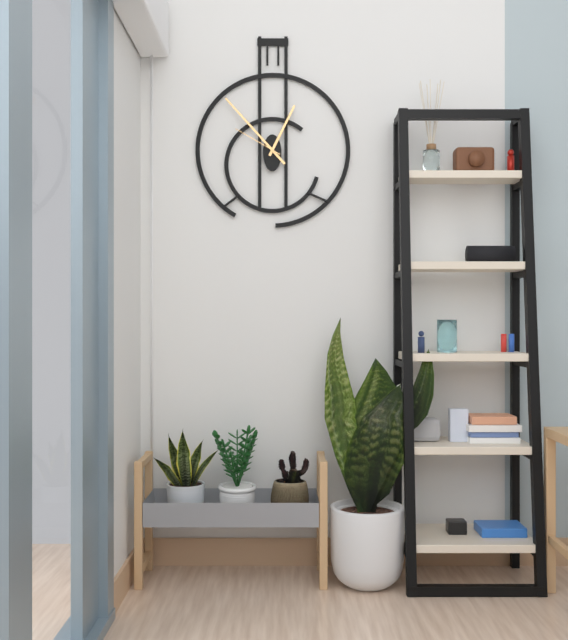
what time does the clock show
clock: 12:53:50
